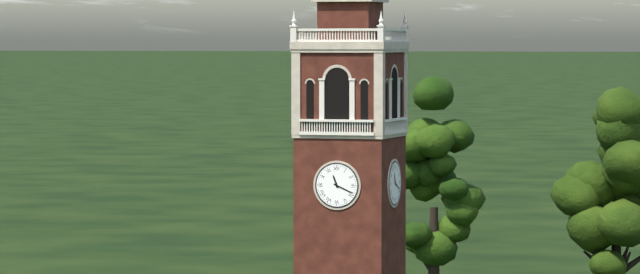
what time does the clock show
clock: 11:19
